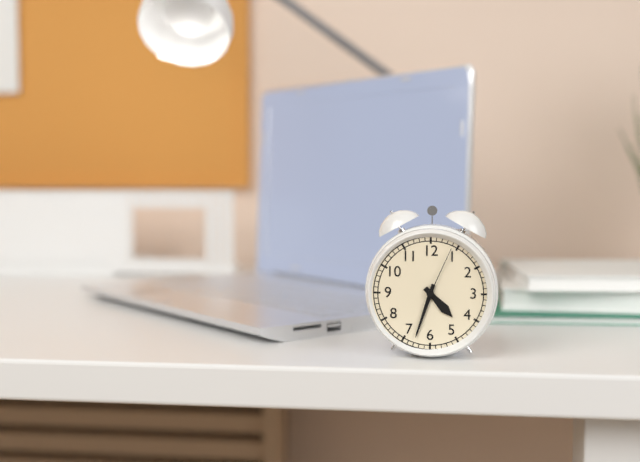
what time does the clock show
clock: 4:33:04
